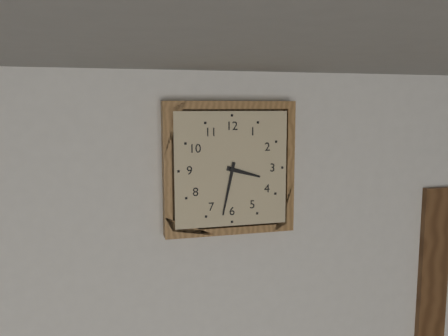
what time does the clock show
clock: 3:32
